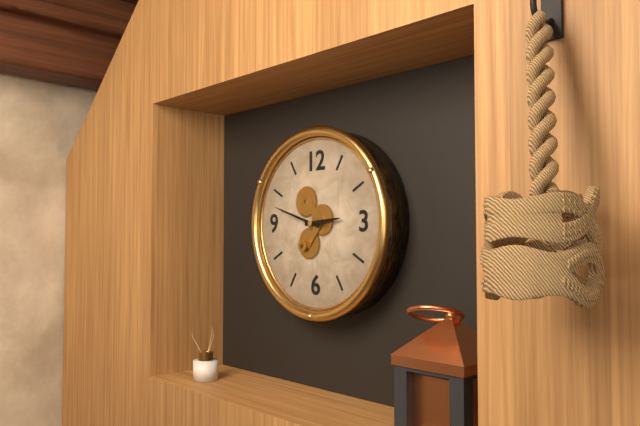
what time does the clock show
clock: 2:48
